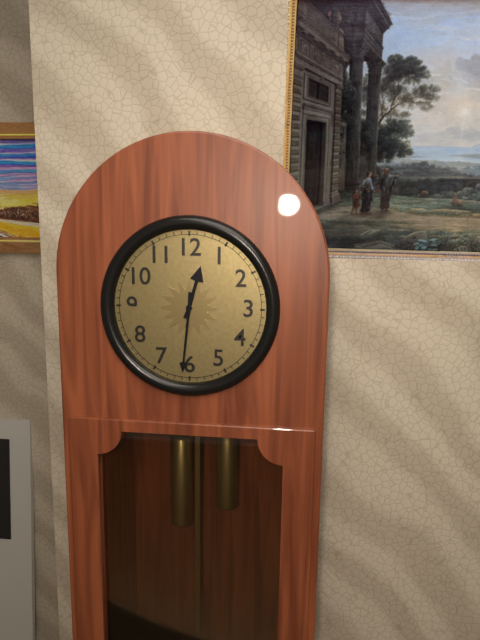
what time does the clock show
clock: 12:31
